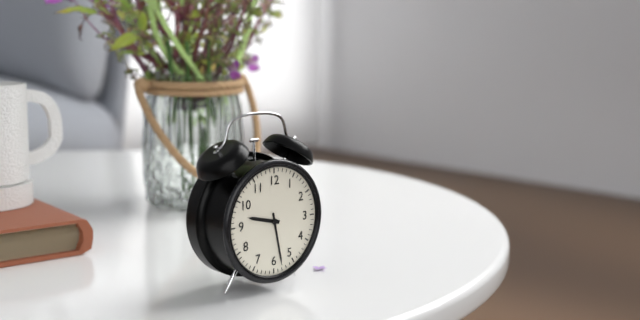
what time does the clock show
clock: 9:28
